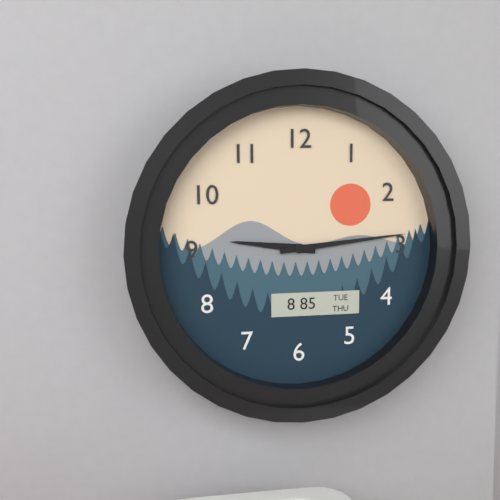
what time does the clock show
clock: 9:14
